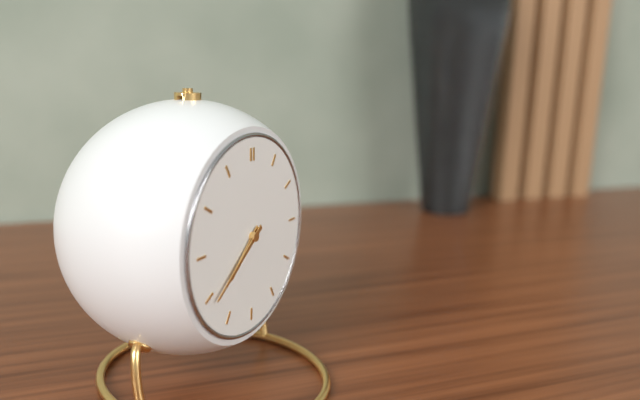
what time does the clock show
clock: 7:39
